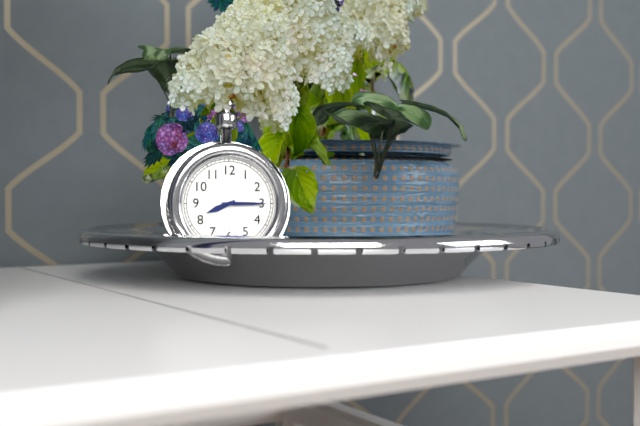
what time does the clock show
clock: 8:15
